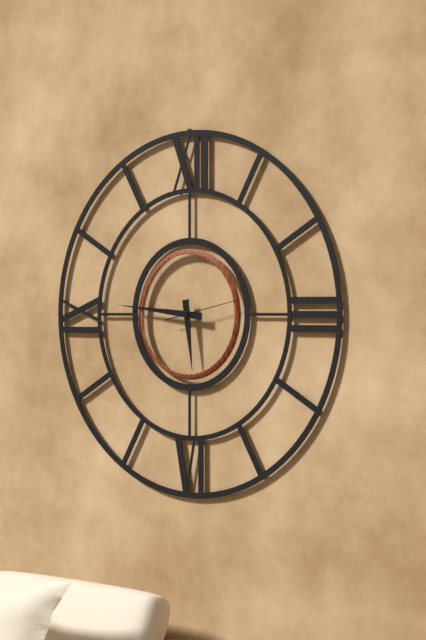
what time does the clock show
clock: 5:46:13
